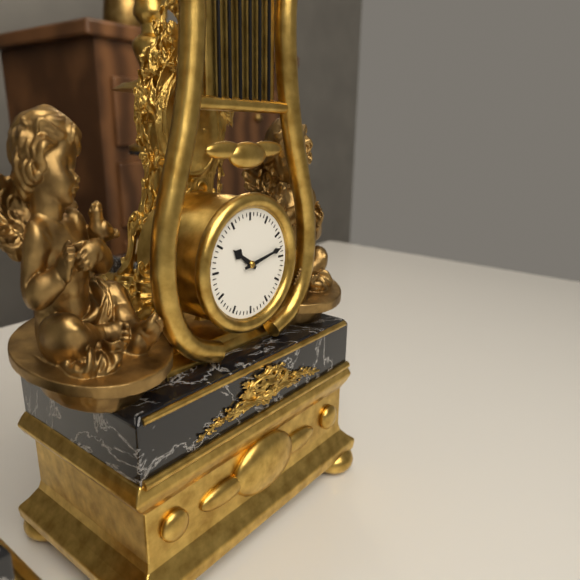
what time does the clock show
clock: 10:13
